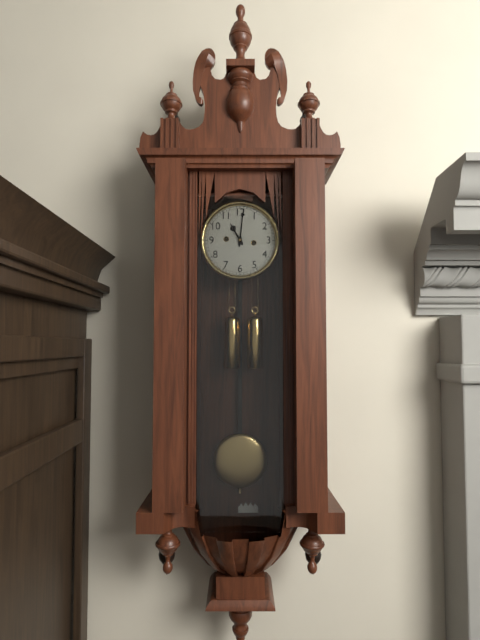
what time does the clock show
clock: 11:01
